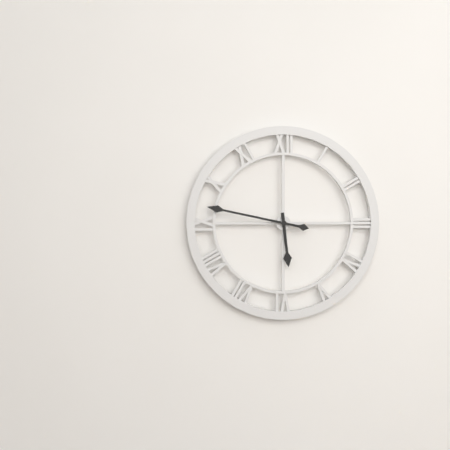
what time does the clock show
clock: 5:47
